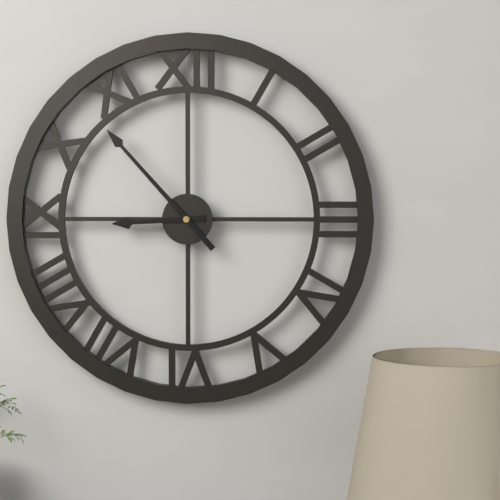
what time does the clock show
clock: 8:53
